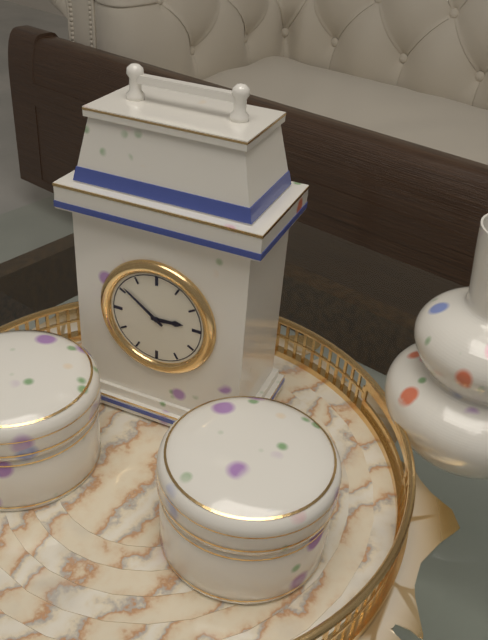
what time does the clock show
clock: 2:51
